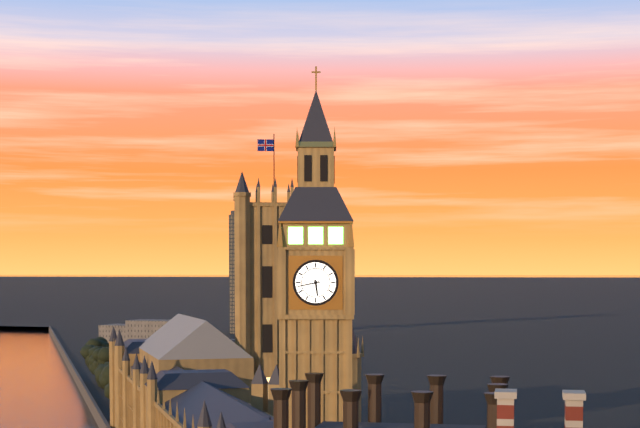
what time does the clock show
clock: 5:43
